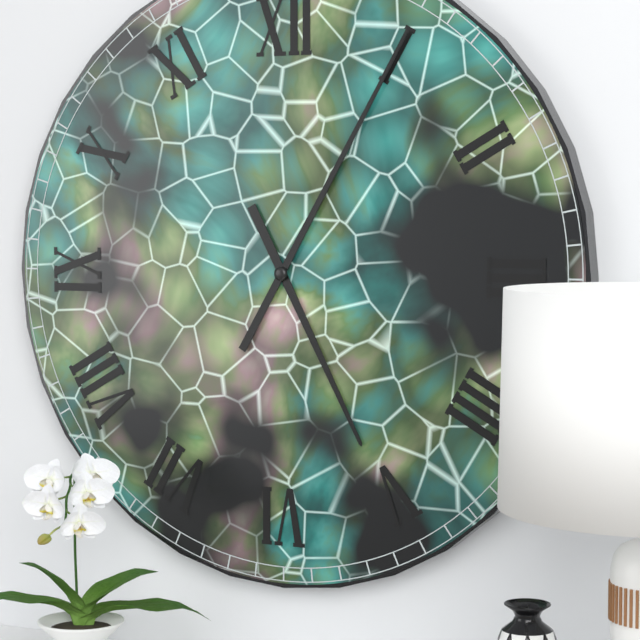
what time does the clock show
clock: 5:05
